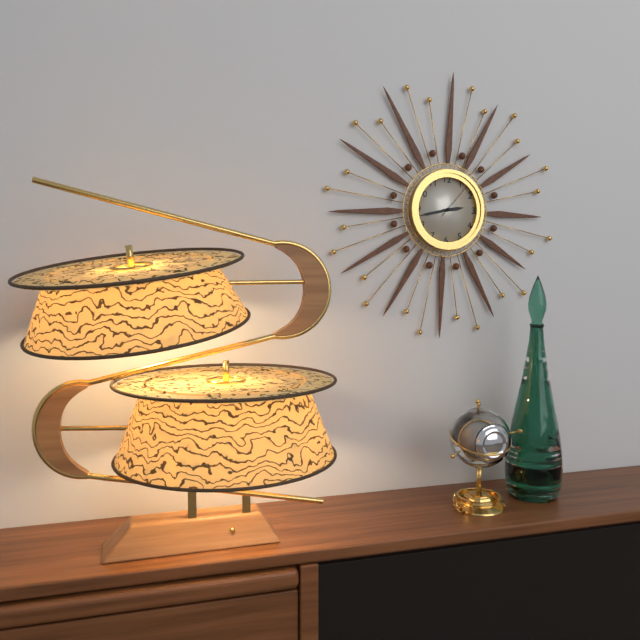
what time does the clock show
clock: 2:43
